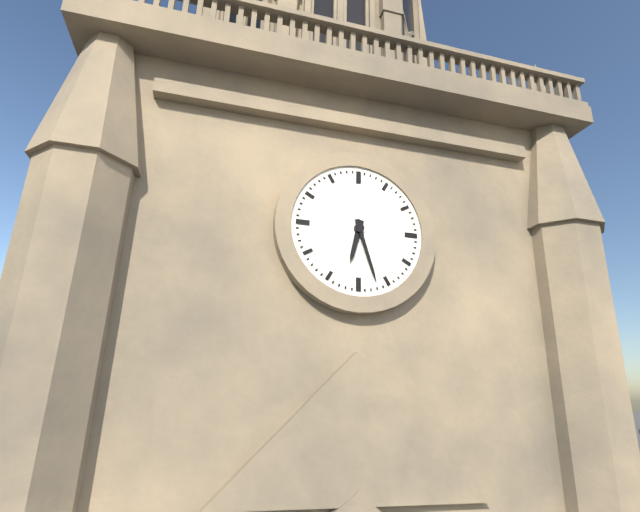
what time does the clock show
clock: 6:27
